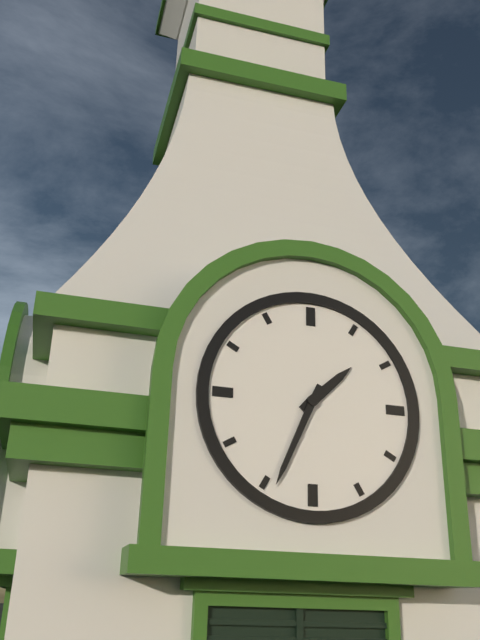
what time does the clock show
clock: 1:34
